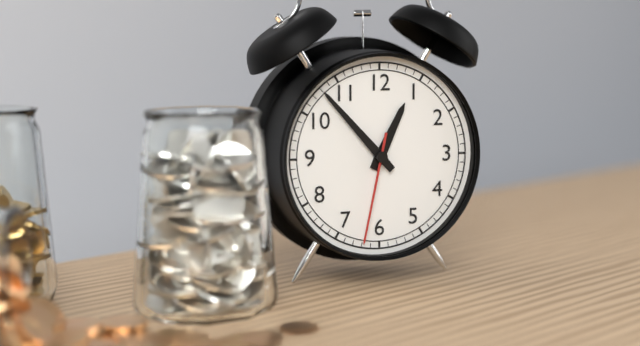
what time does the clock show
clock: 12:53:32
